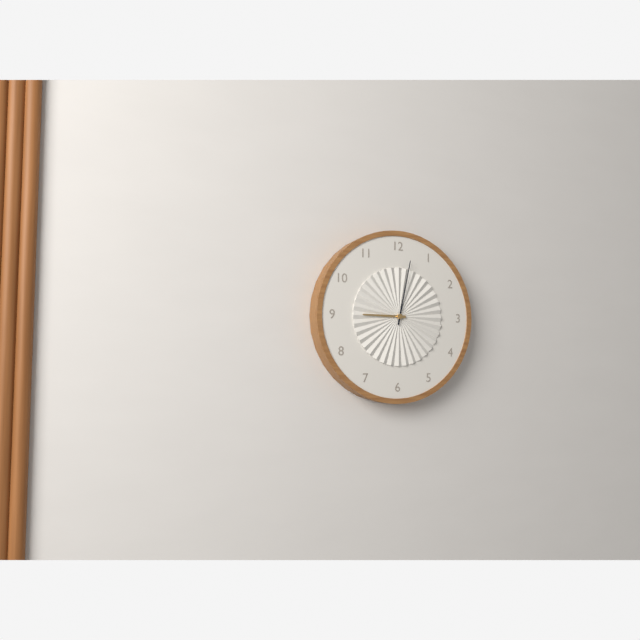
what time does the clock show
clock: 9:02
